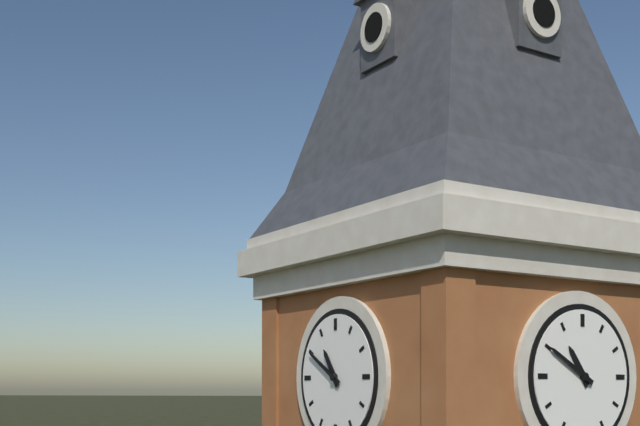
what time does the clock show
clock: 10:50
